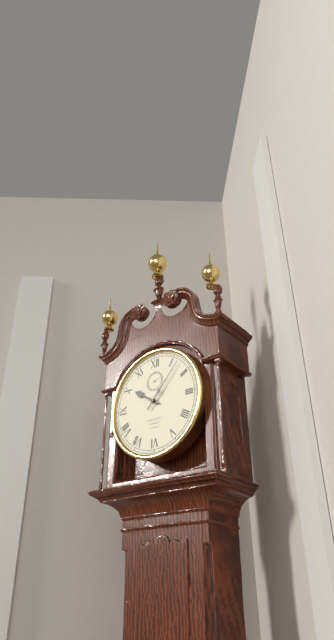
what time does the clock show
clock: 10:07
